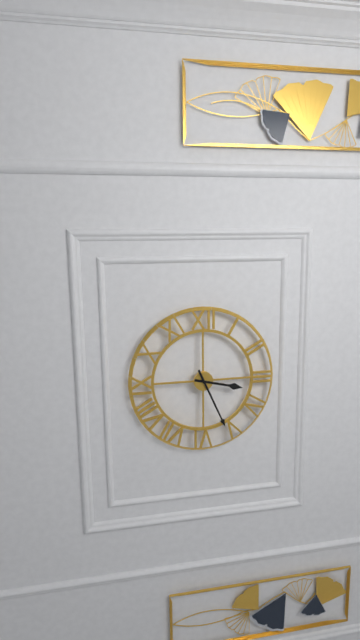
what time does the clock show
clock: 3:26
